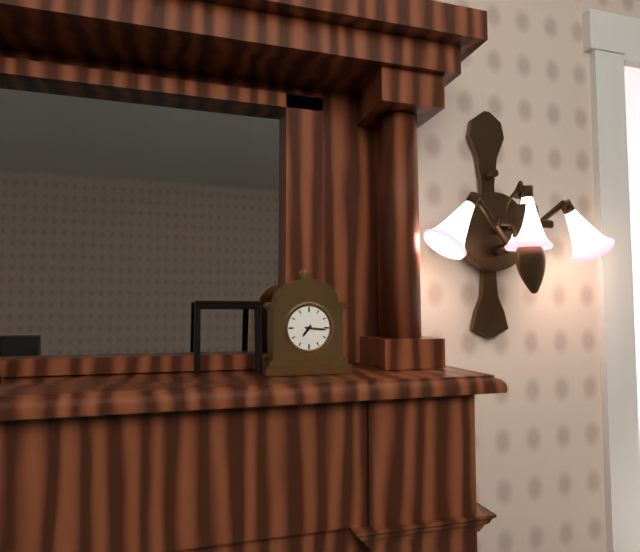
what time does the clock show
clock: 7:16
